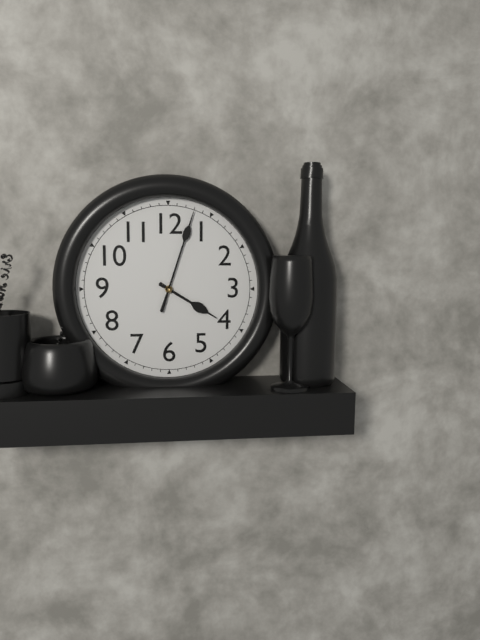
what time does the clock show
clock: 4:03
